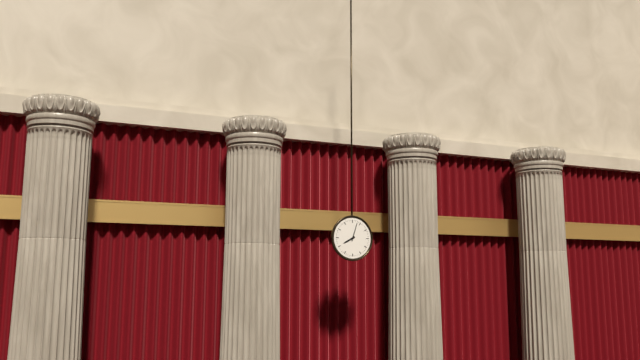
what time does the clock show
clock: 8:03
